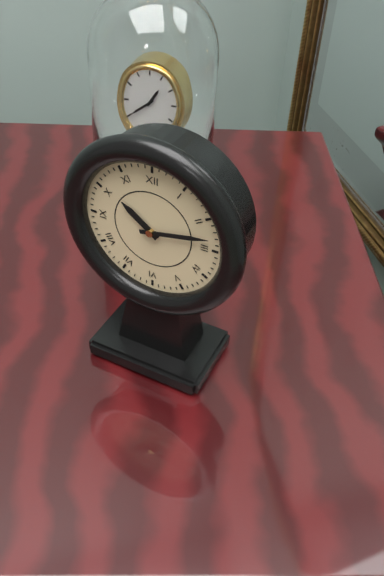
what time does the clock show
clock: 10:13
